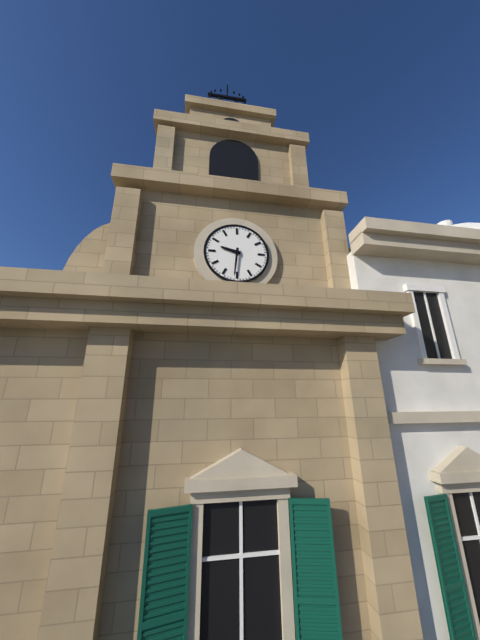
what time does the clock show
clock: 9:31
